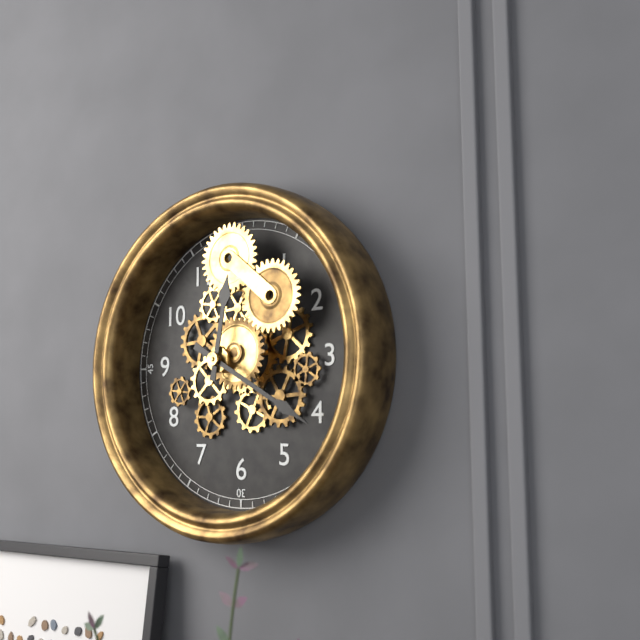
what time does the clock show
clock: 12:20
